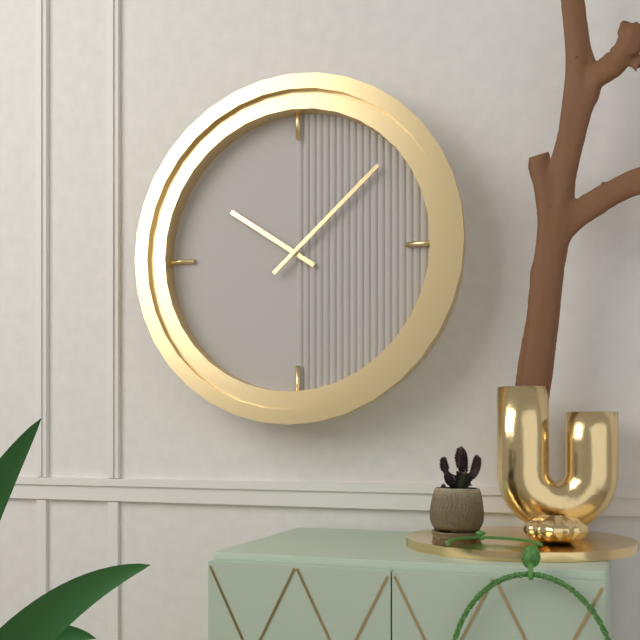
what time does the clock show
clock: 10:08
